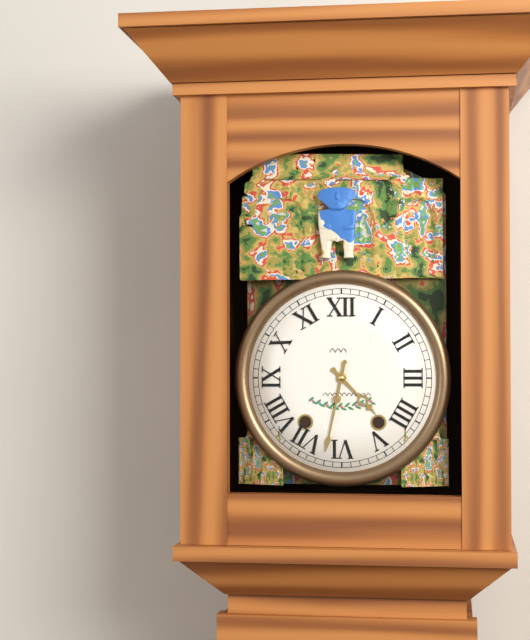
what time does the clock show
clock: 4:32
